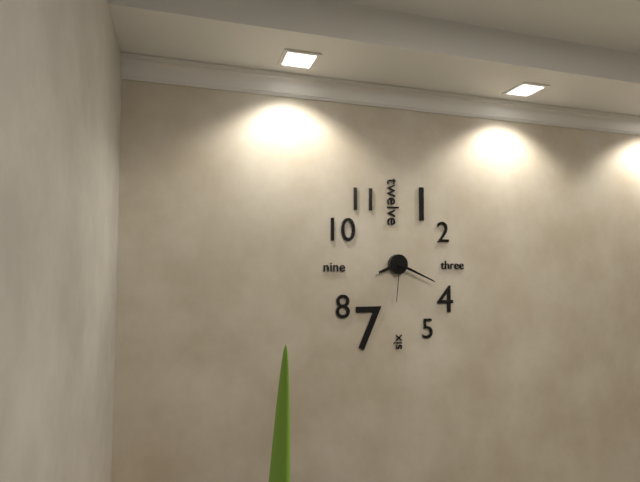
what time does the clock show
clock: 8:19
